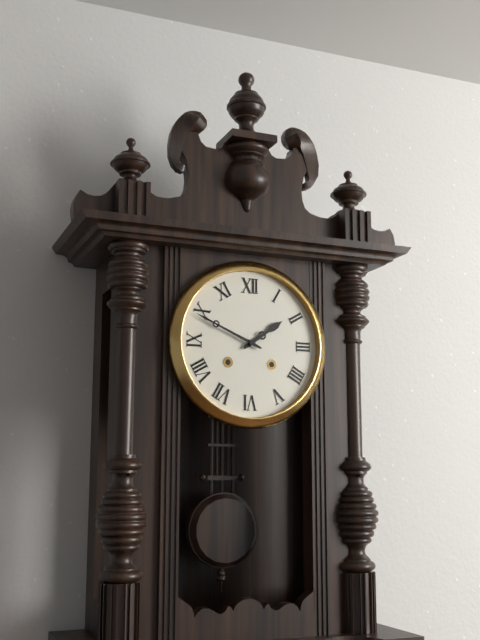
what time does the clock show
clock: 1:49
